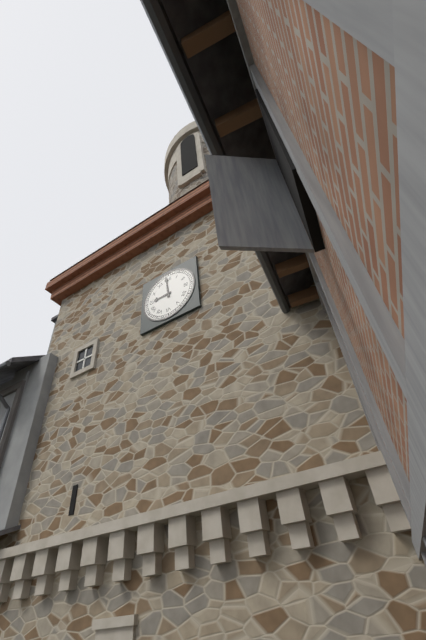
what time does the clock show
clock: 8:59
